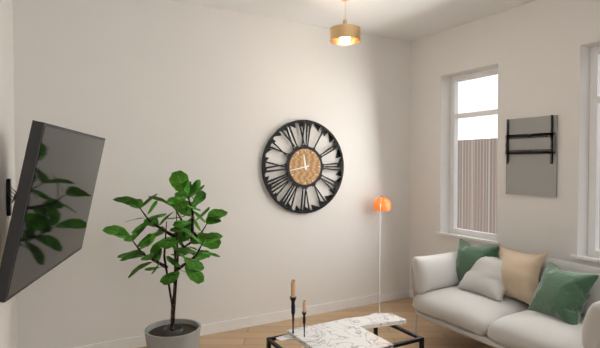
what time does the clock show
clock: 11:43
